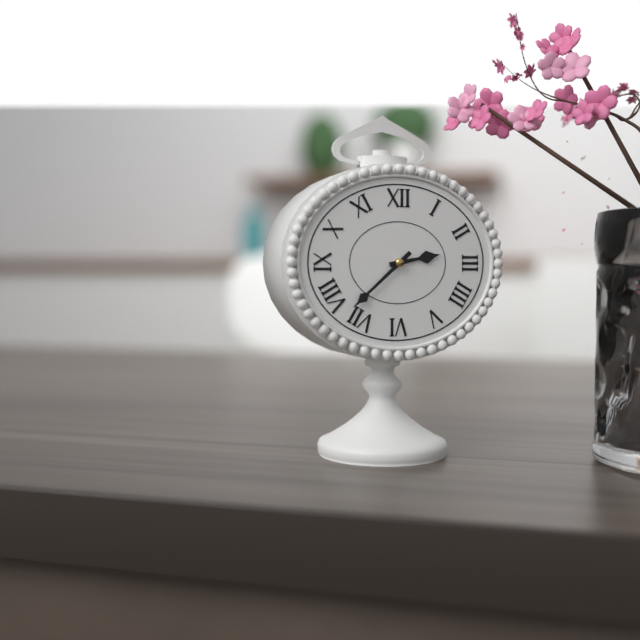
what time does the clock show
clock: 2:38
